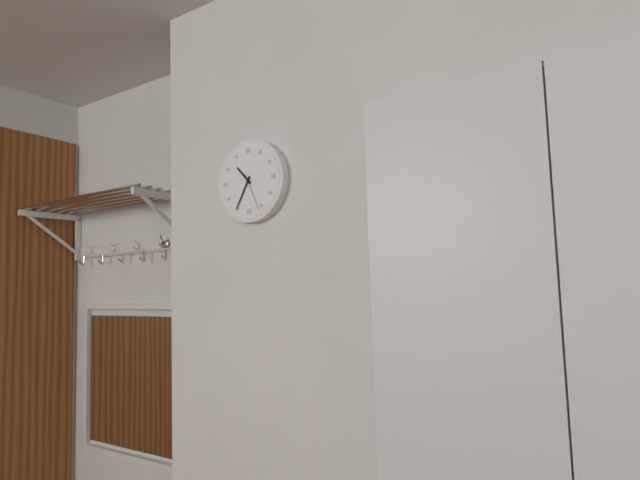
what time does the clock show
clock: 10:35
